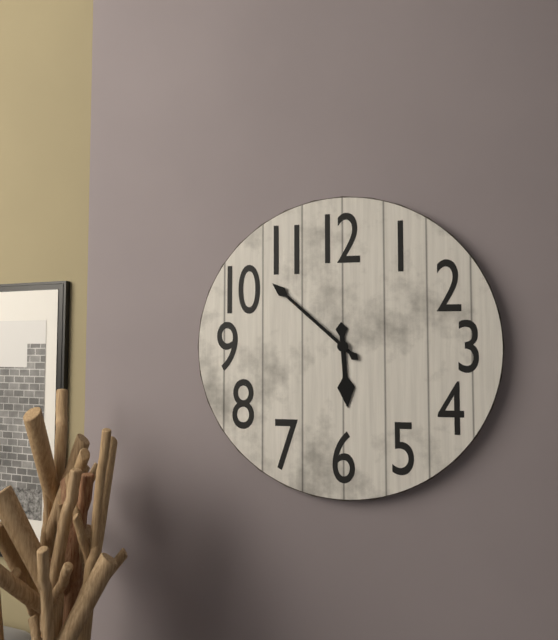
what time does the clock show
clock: 5:52
